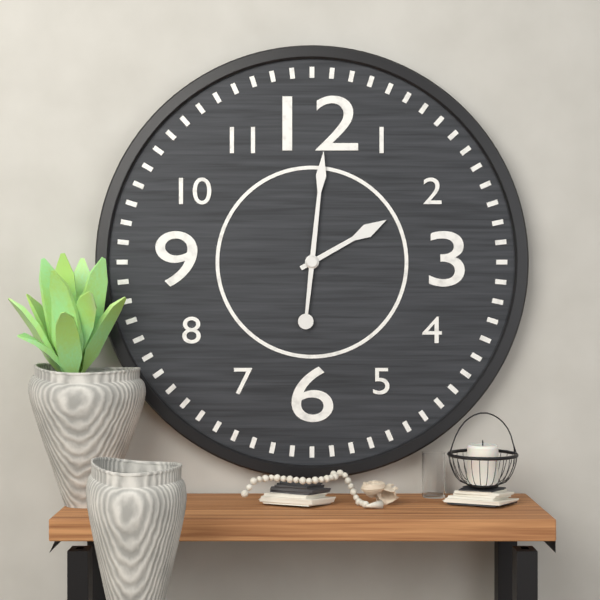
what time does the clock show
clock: 2:01
